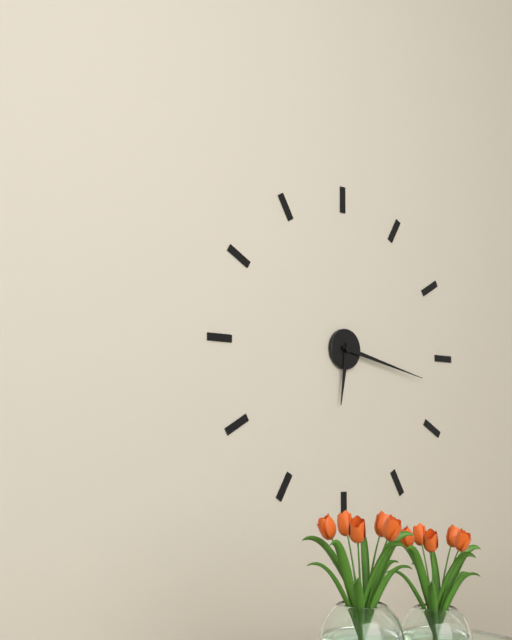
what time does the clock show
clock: 6:17
